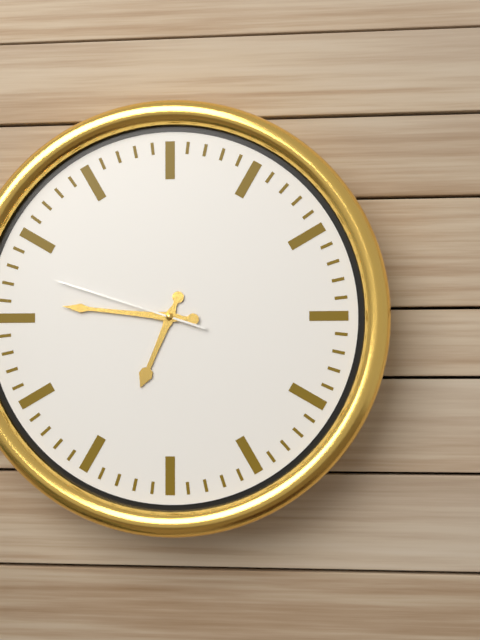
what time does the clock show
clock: 6:46:48
